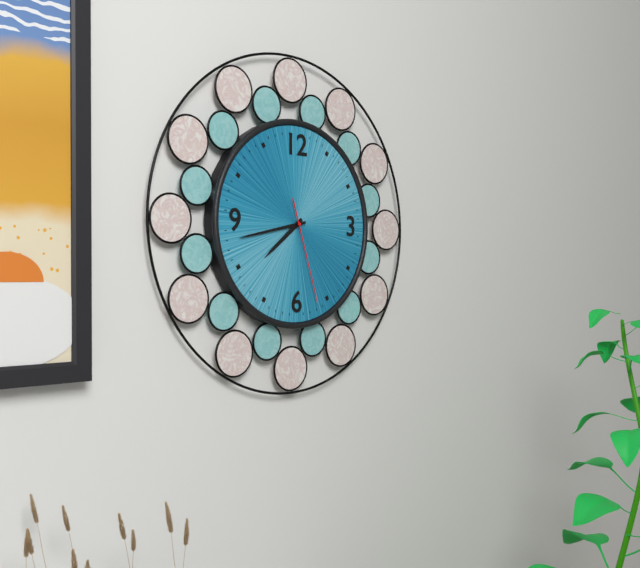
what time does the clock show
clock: 7:43:27
